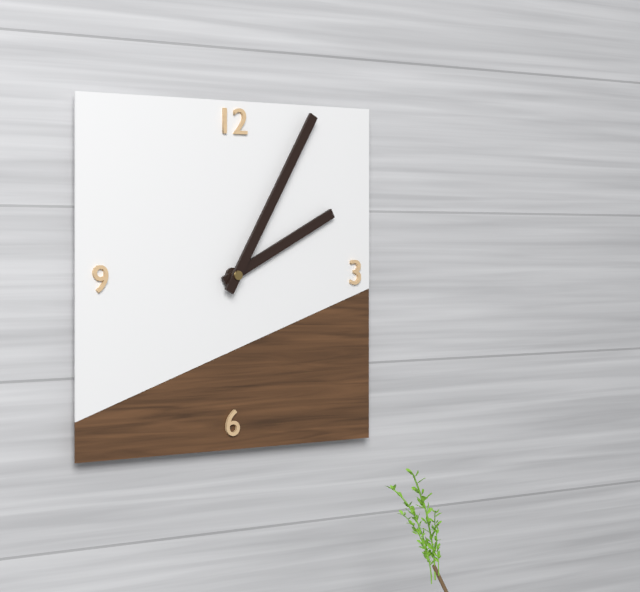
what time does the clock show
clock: 2:05
